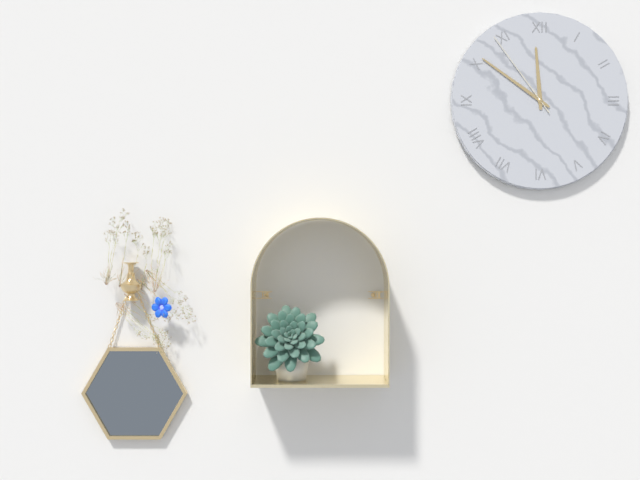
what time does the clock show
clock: 11:51:54
